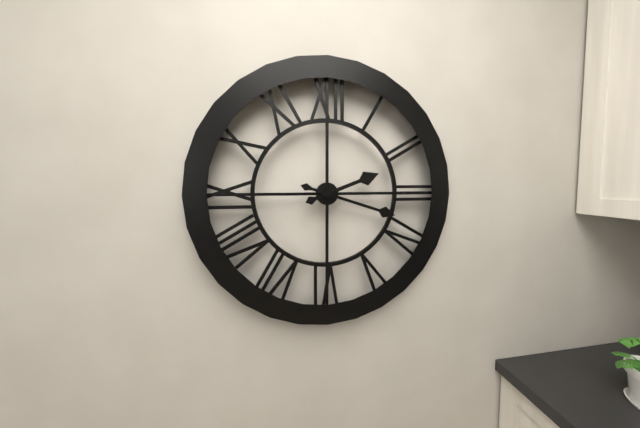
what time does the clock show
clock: 2:18
